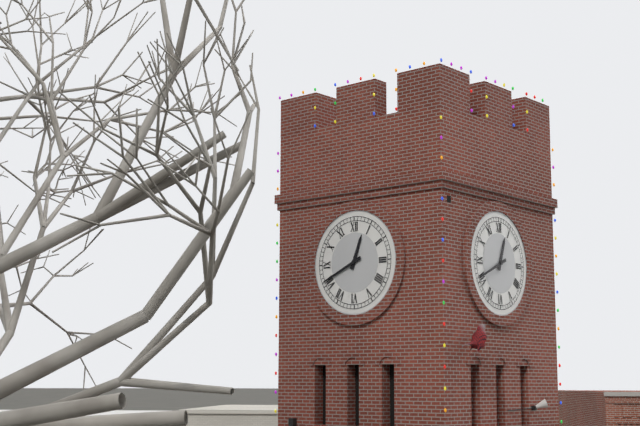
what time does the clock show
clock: 12:41
